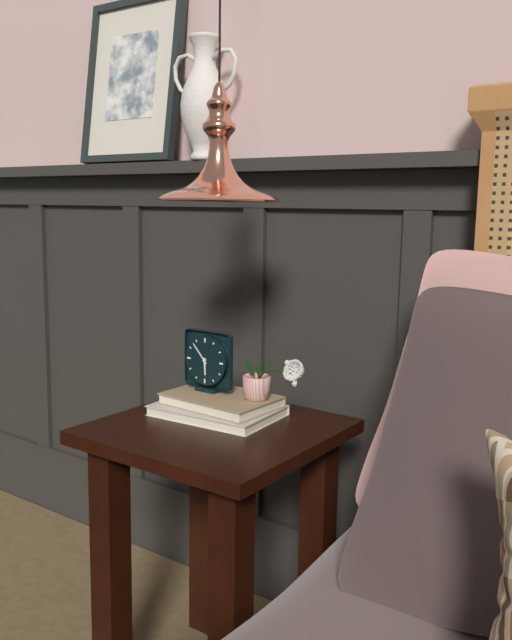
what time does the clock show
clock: 5:53
